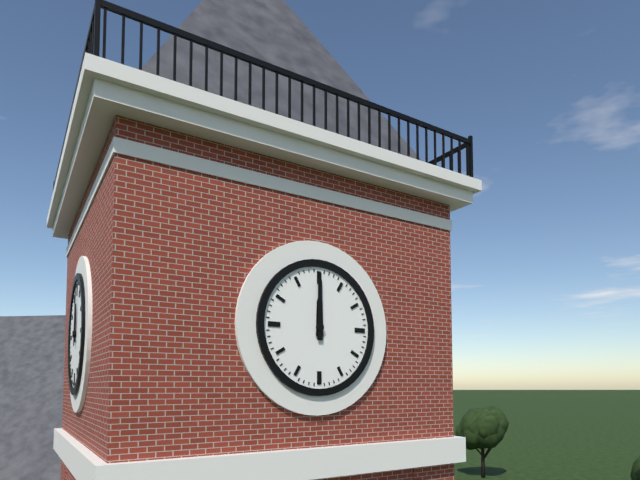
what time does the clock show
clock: 12:00
